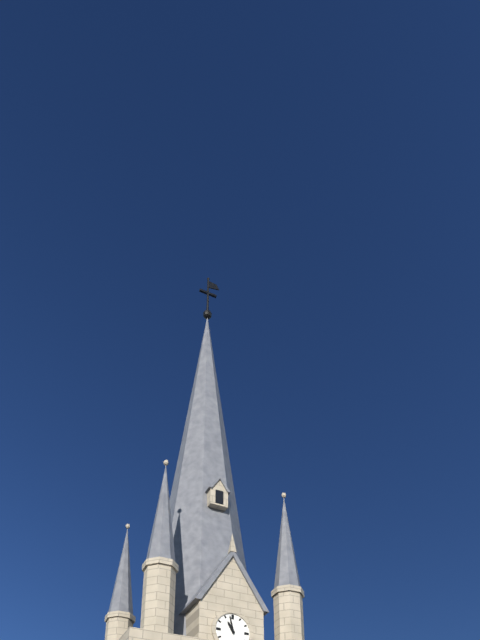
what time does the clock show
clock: 10:58
